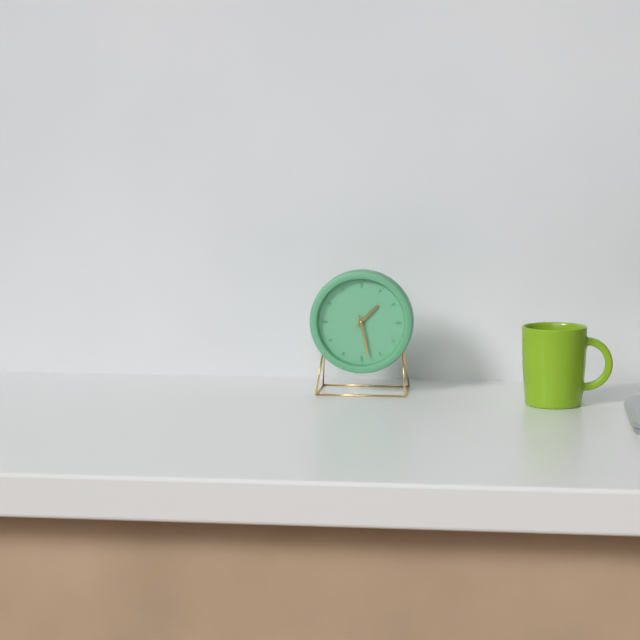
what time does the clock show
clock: 1:28
